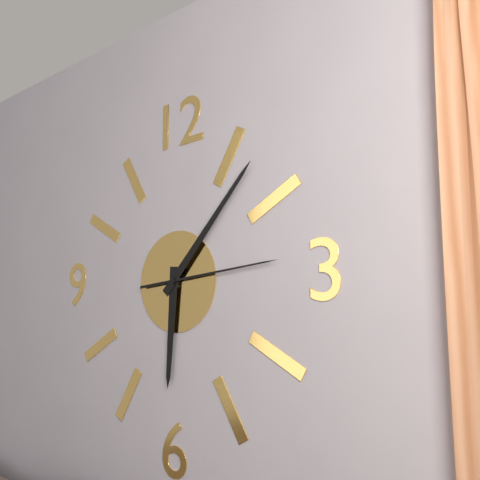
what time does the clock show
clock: 6:07:14
